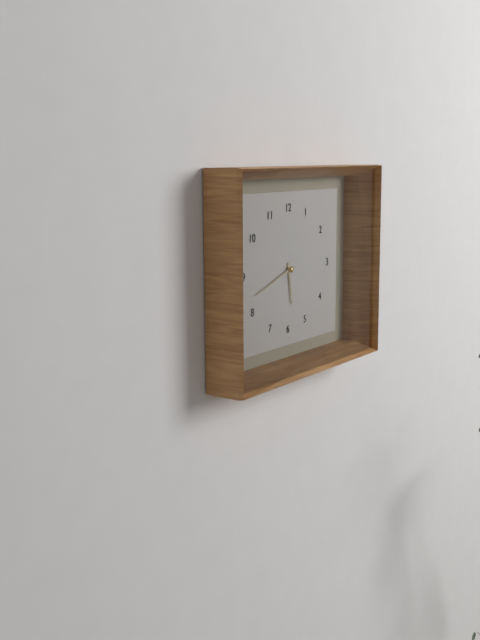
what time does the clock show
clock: 5:42
